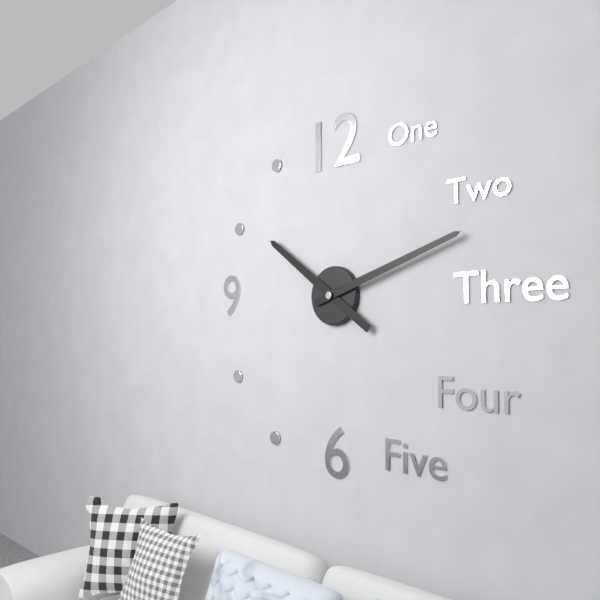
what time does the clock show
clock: 10:12
